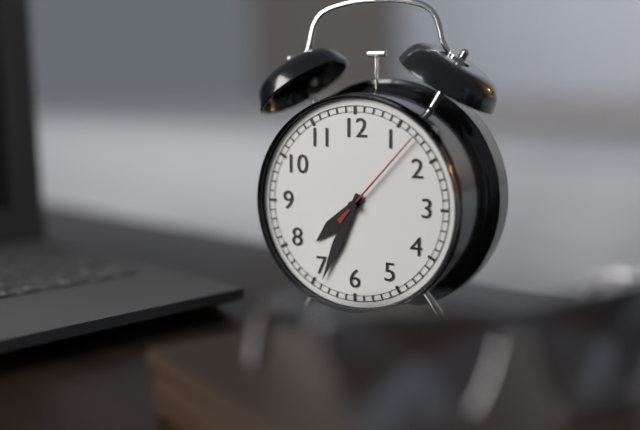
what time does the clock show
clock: 7:34:07
